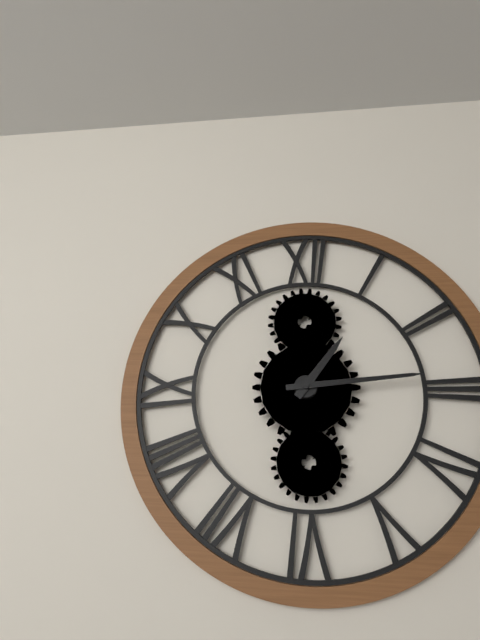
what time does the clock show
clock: 1:14
